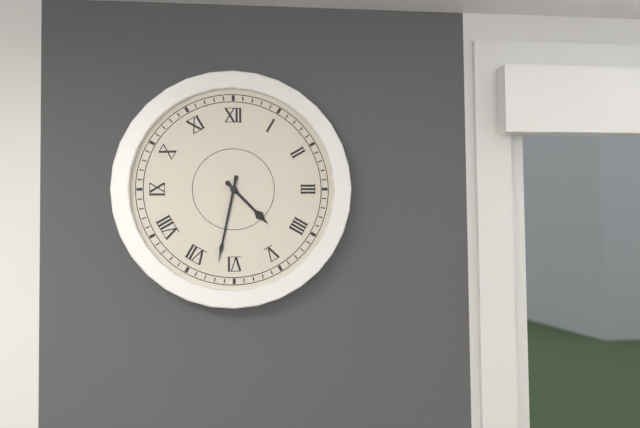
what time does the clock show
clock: 4:32
